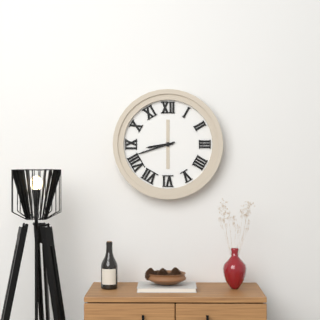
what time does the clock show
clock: 8:42
